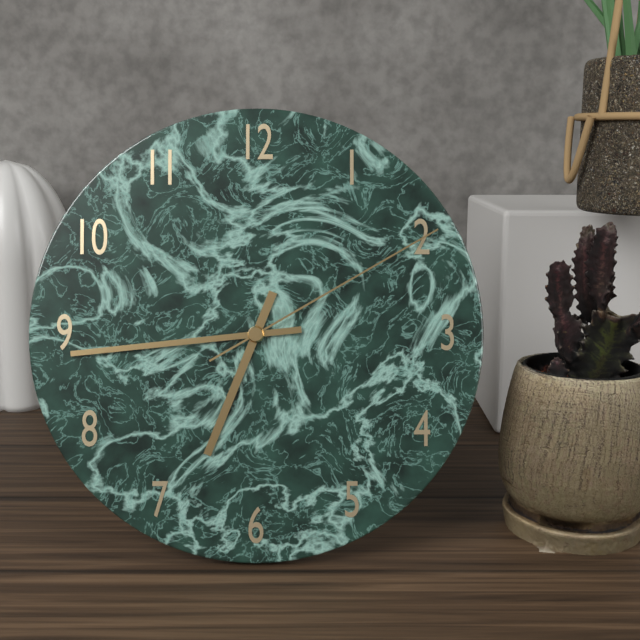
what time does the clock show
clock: 6:44:10
